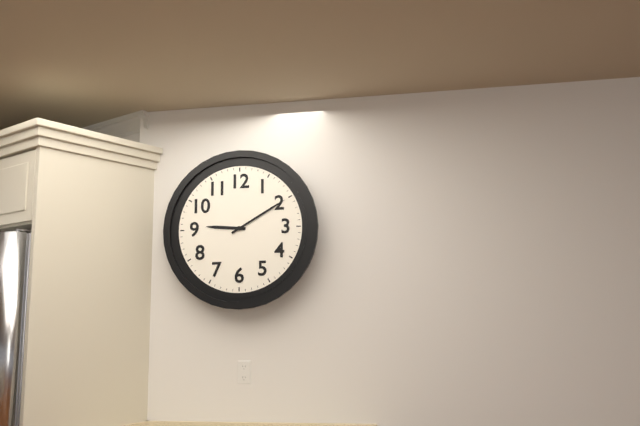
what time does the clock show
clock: 9:10
